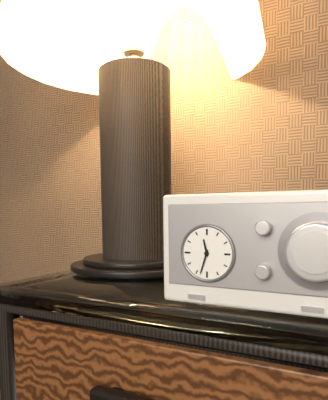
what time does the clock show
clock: 11:33
